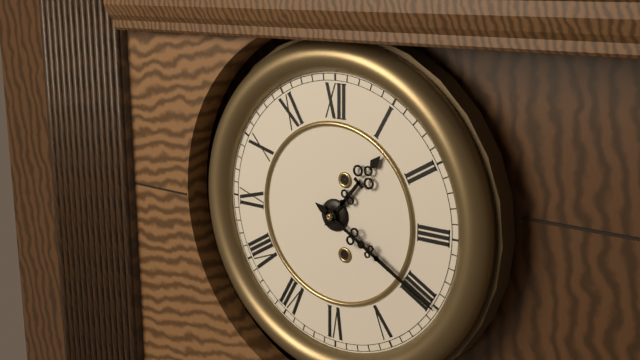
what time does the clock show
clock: 1:20
